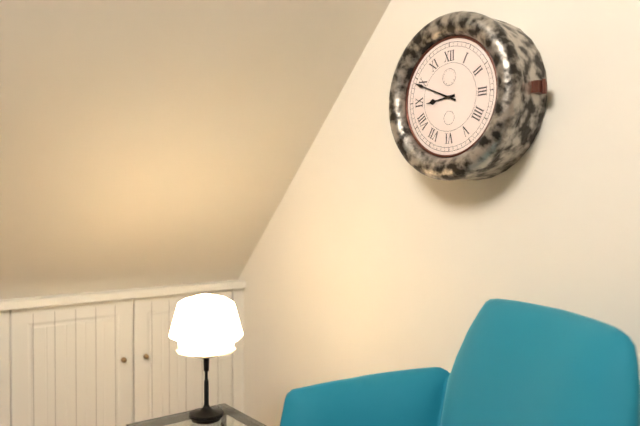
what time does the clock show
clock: 8:49
